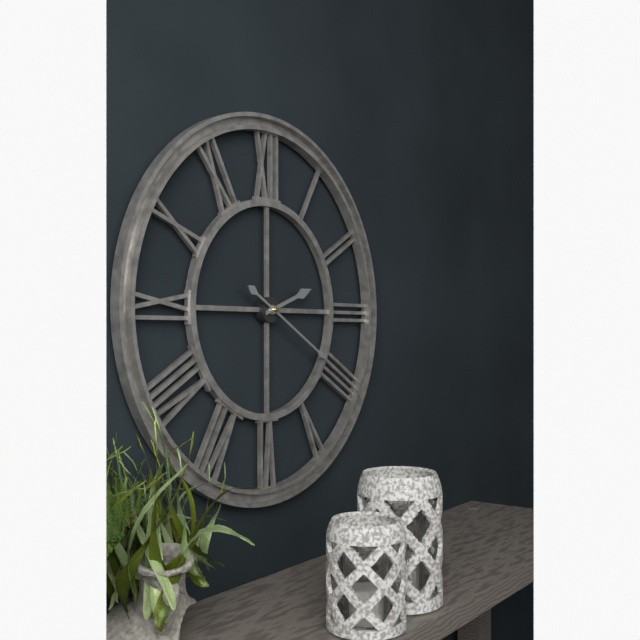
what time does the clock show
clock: 2:20
